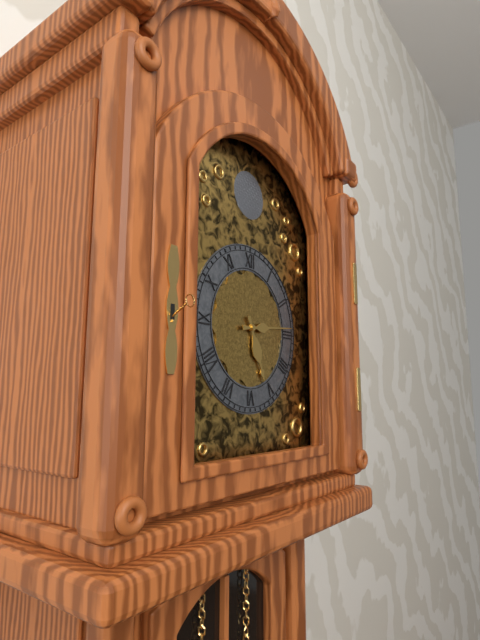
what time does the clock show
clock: 5:14
